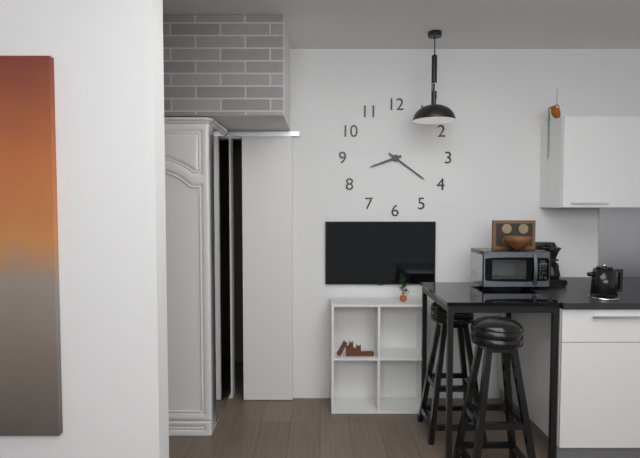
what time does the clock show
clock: 8:21
